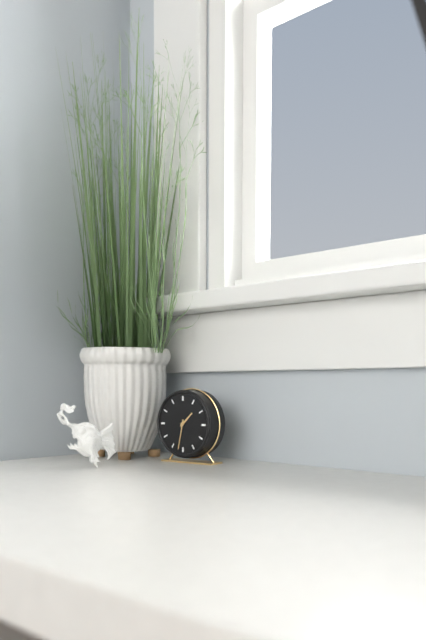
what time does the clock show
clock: 1:32
